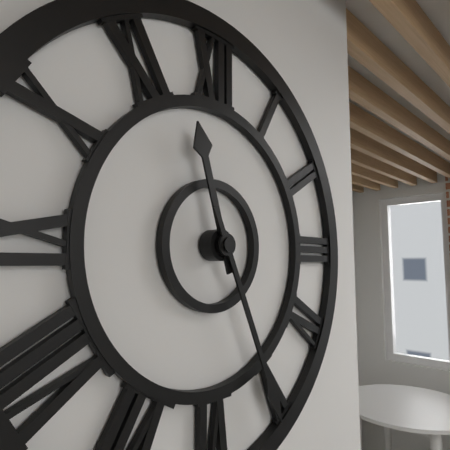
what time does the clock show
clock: 11:26
